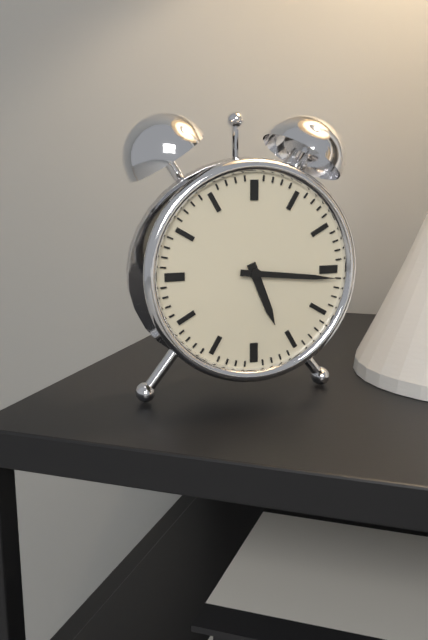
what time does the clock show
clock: 5:16
